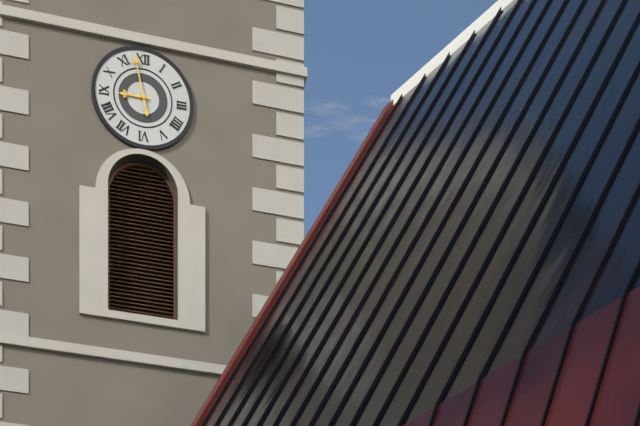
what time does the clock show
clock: 8:58
